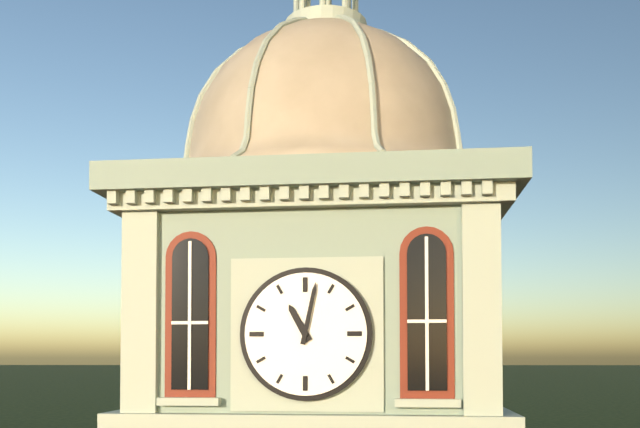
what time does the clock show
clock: 11:02
